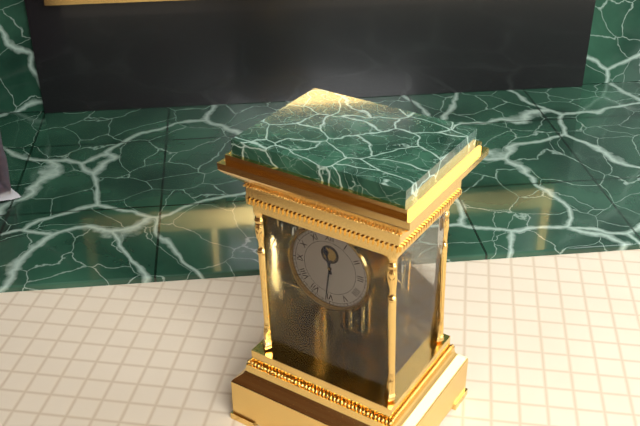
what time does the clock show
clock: 11:31
